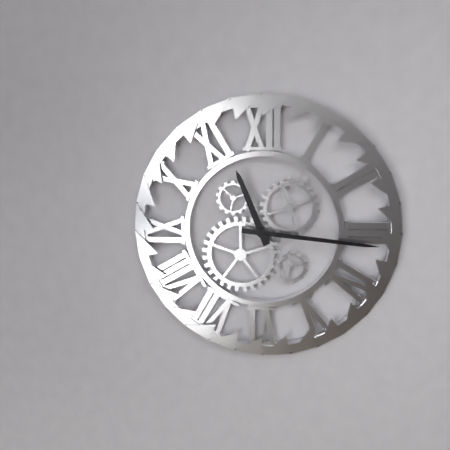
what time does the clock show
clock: 11:16
